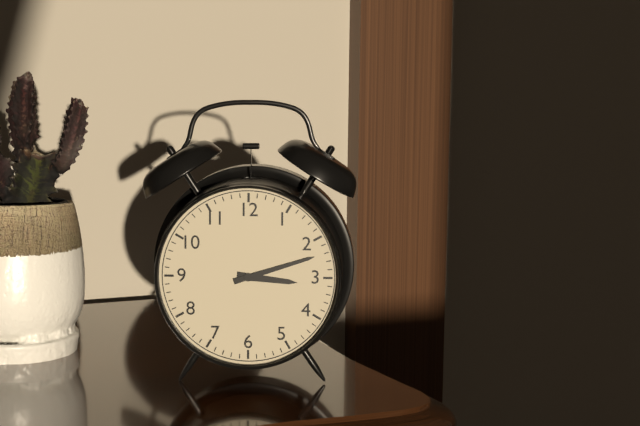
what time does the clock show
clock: 3:12
